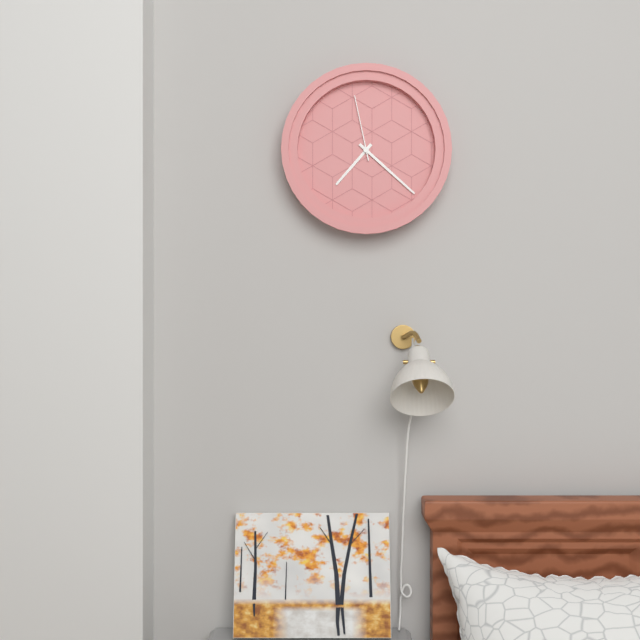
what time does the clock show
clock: 7:22:58
